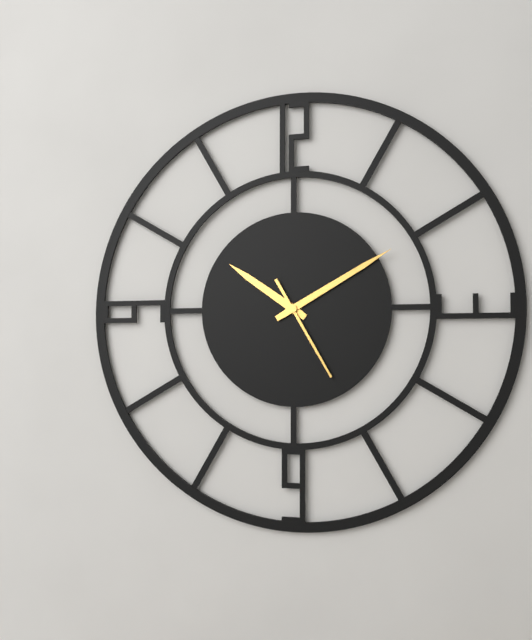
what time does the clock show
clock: 10:10:25
